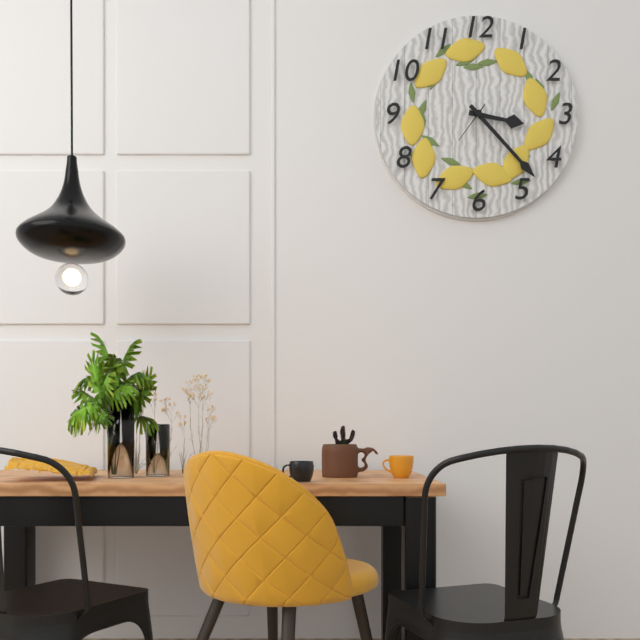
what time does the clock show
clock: 3:23
